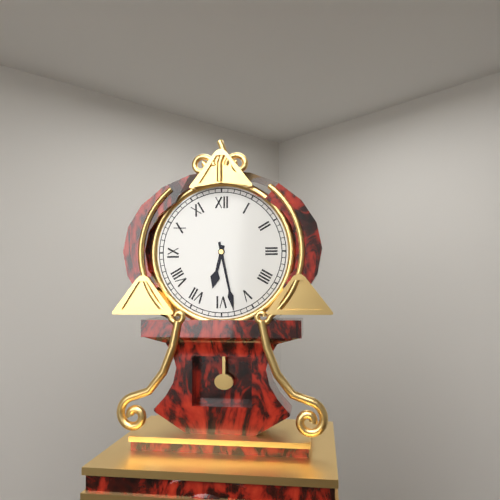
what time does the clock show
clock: 6:28
